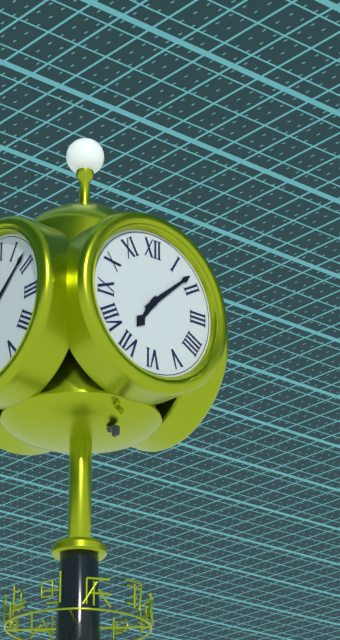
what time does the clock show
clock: 7:08
